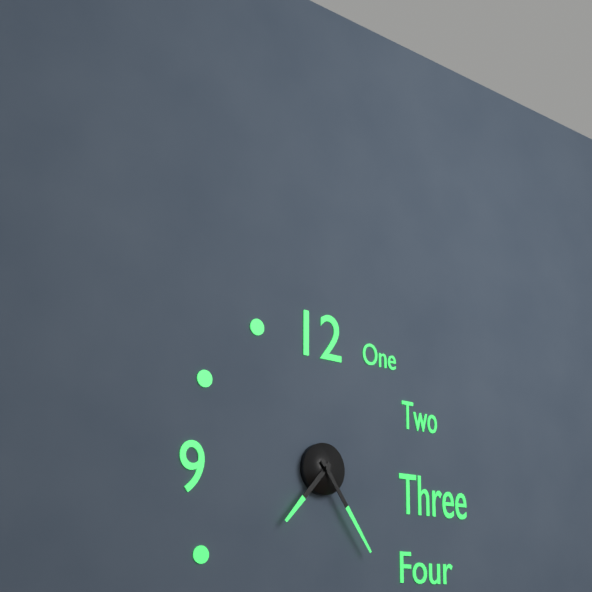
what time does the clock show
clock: 7:24
